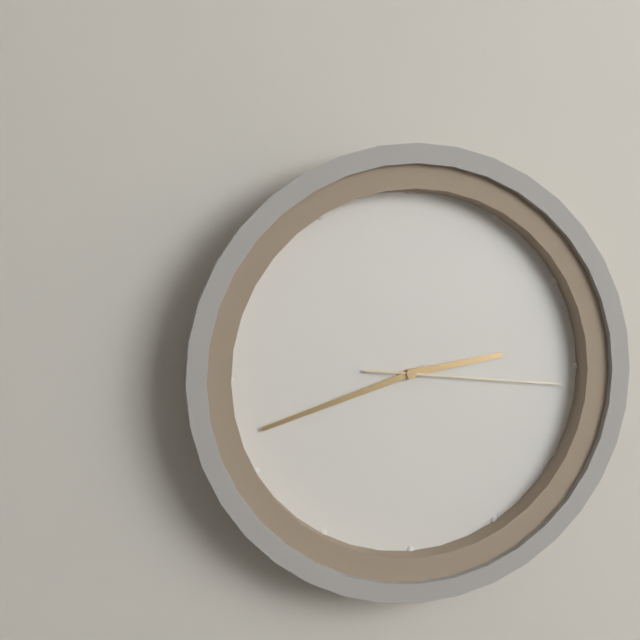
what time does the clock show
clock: 2:42:16
